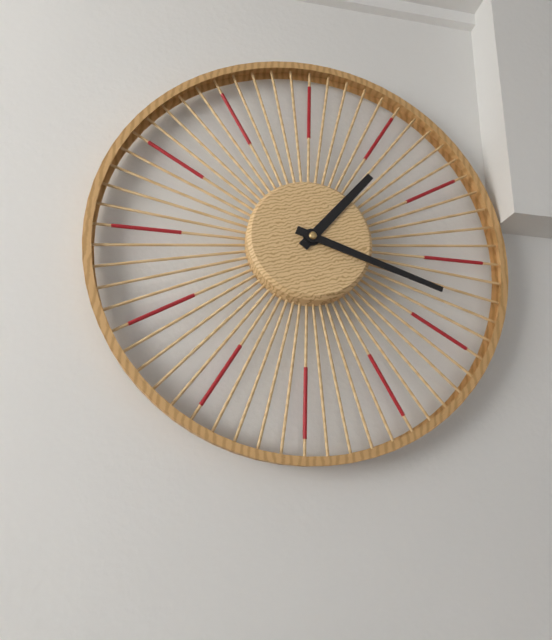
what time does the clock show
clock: 1:18
